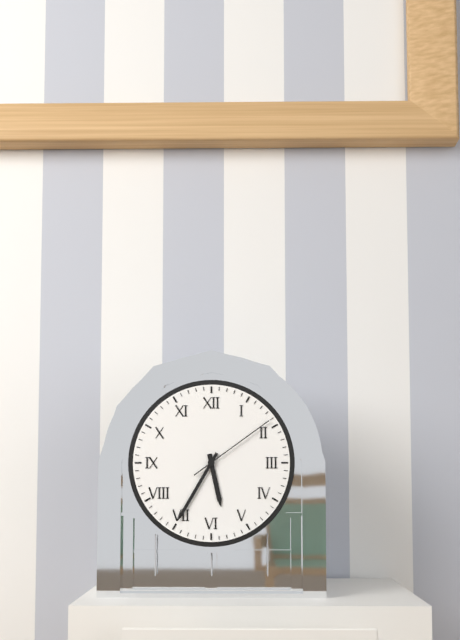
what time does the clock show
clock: 5:35:09
